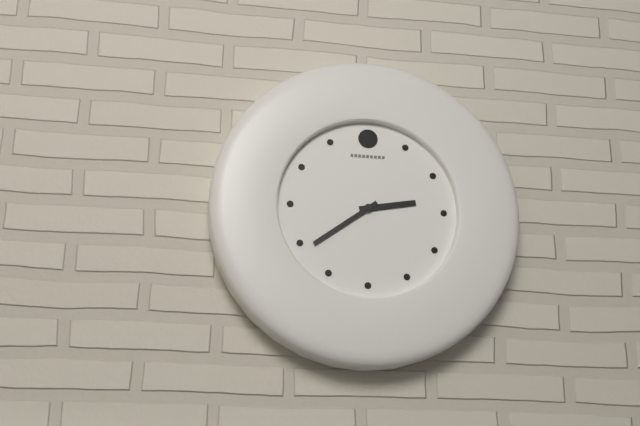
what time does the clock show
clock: 2:39
